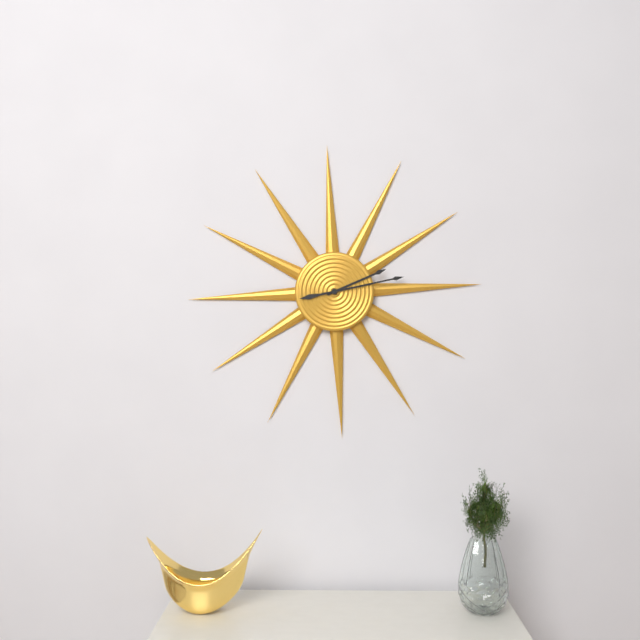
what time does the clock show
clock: 2:13
